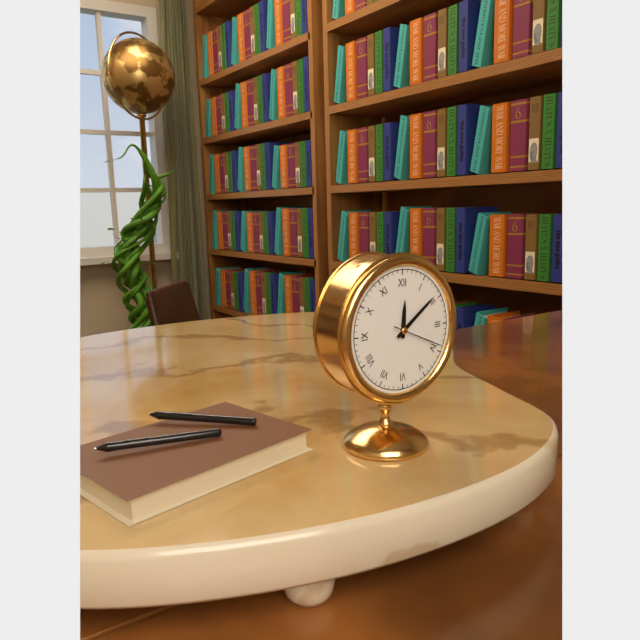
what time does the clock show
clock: 12:09
